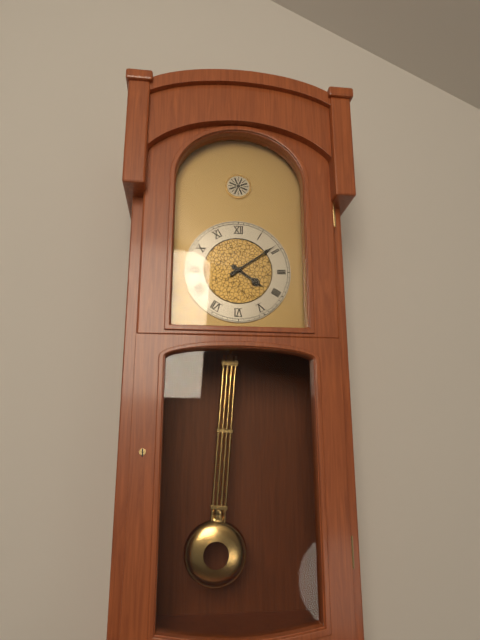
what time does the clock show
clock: 4:09
